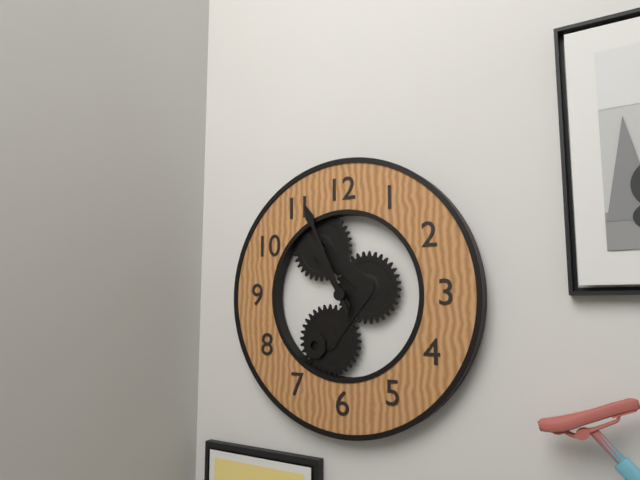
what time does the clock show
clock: 10:56
